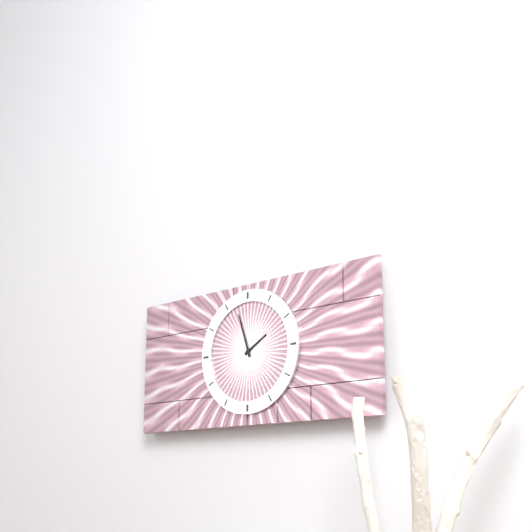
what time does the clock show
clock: 1:57
